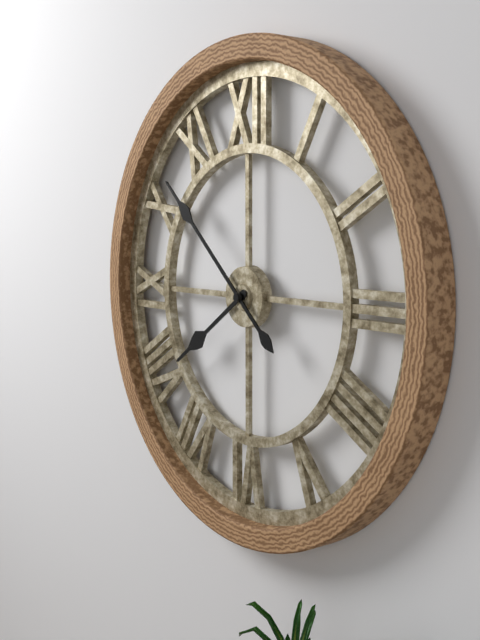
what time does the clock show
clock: 7:52
